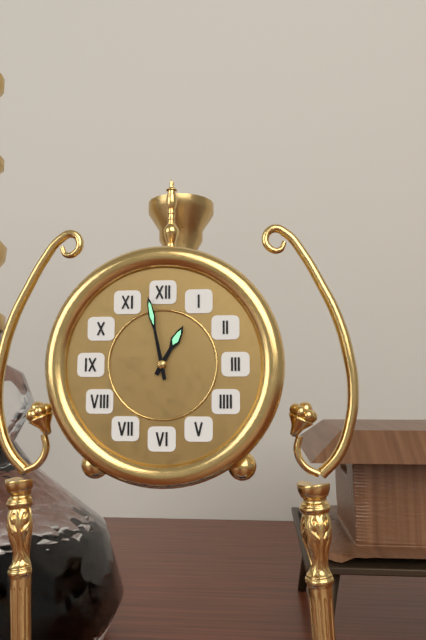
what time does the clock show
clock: 12:58
